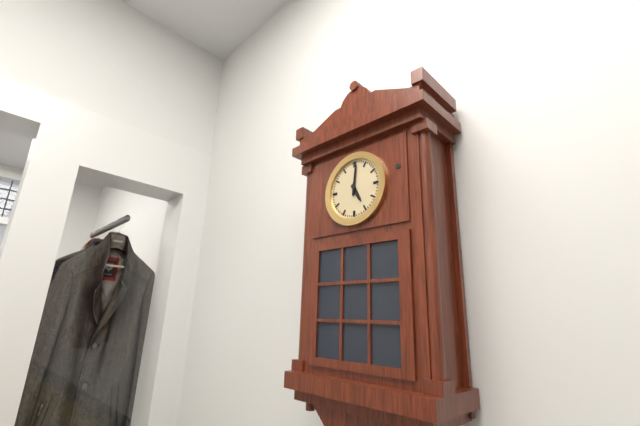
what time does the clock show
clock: 5:01
